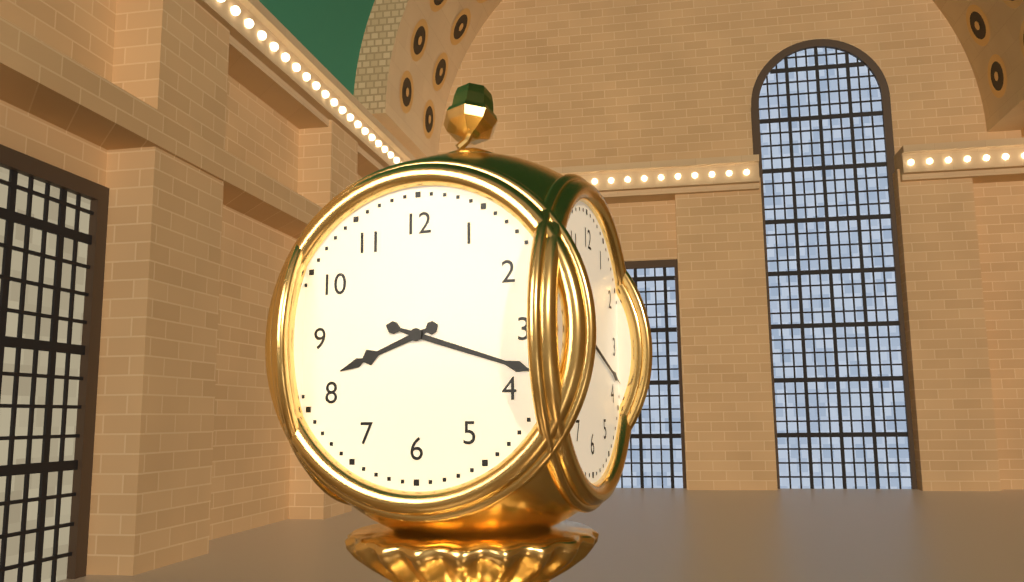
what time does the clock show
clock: 8:18
